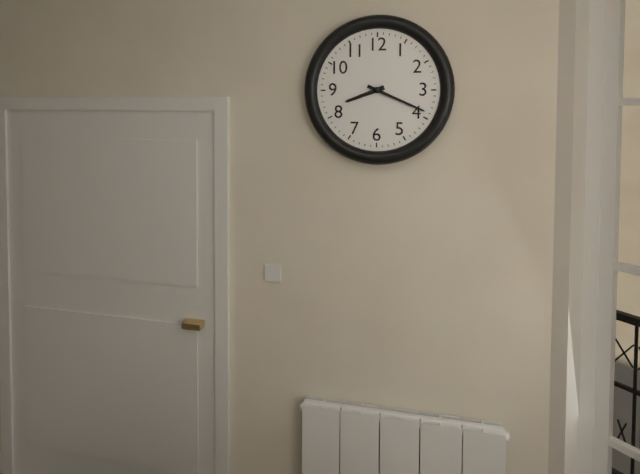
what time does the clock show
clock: 8:19
